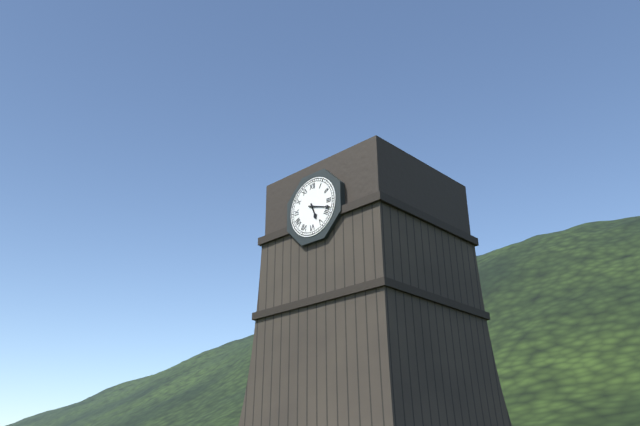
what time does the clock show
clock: 5:18
